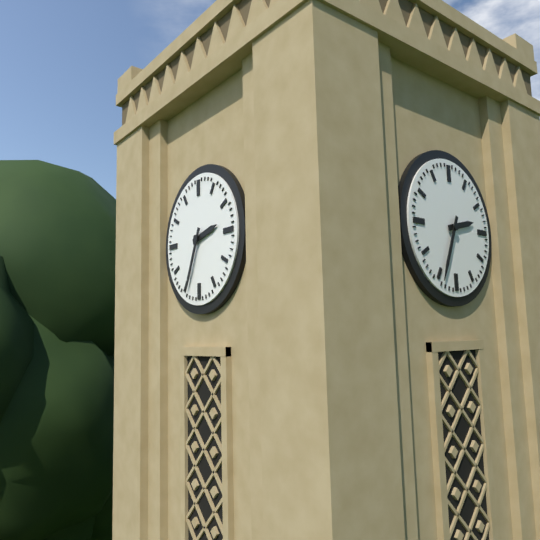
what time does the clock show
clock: 2:34
